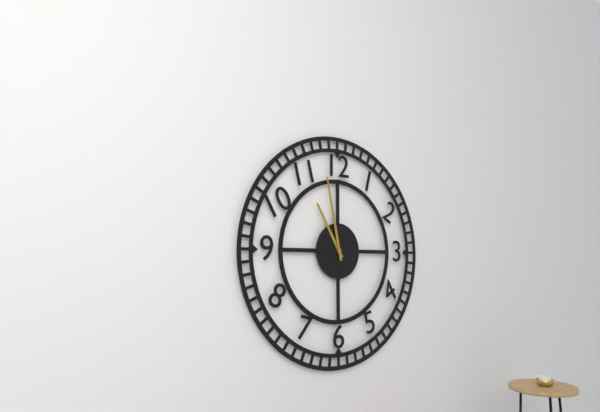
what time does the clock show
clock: 10:58
